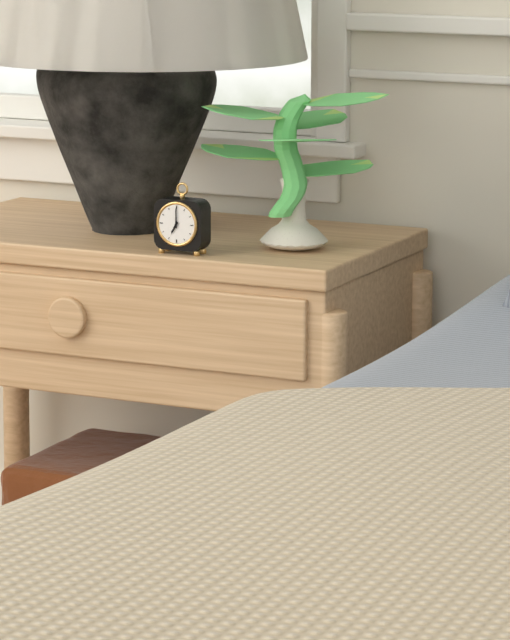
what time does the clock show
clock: 7:00
